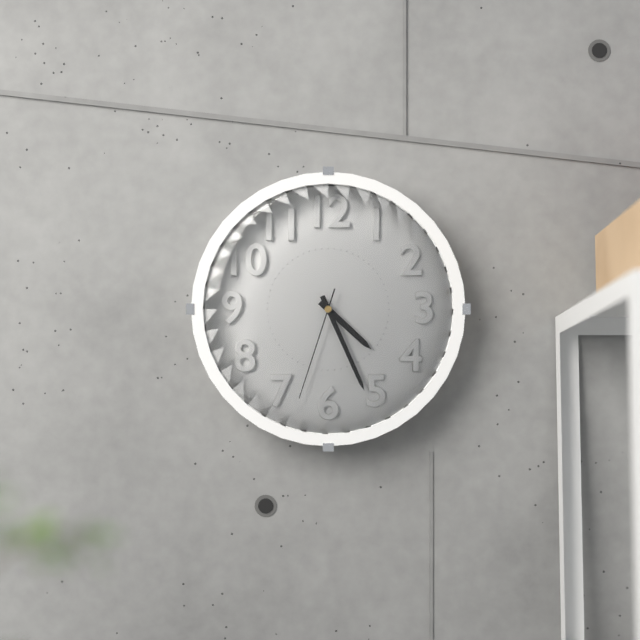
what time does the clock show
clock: 4:26:33
